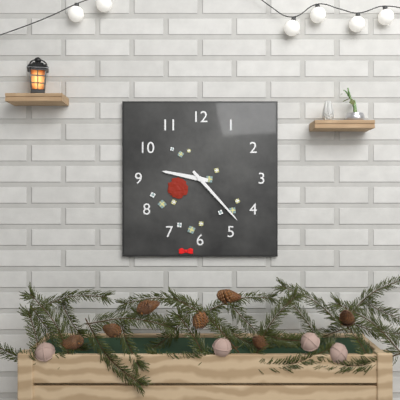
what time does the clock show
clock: 9:23
